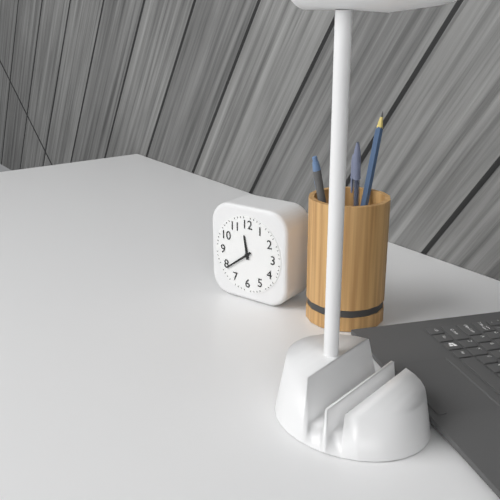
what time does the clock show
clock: 11:39
